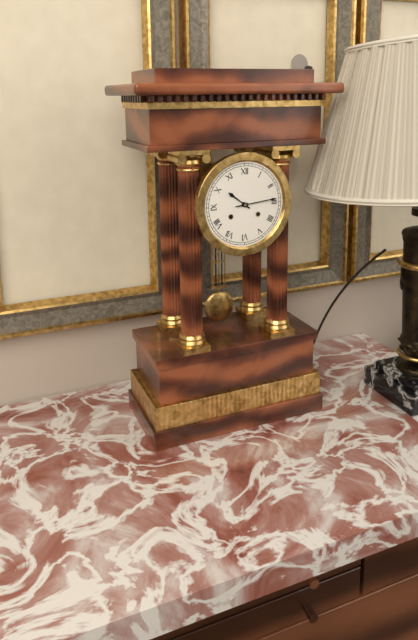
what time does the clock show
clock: 10:14
